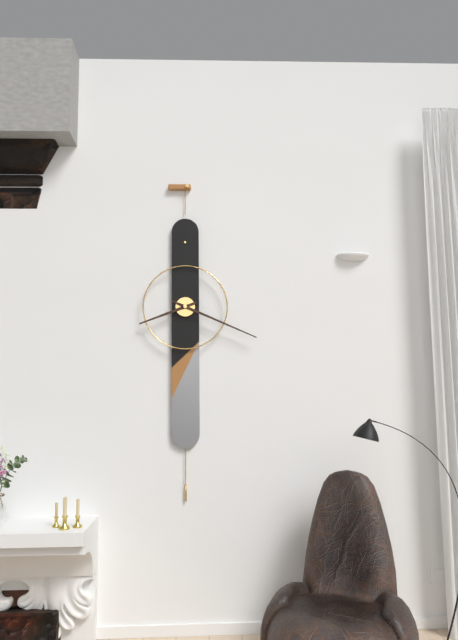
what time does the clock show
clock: 8:19
